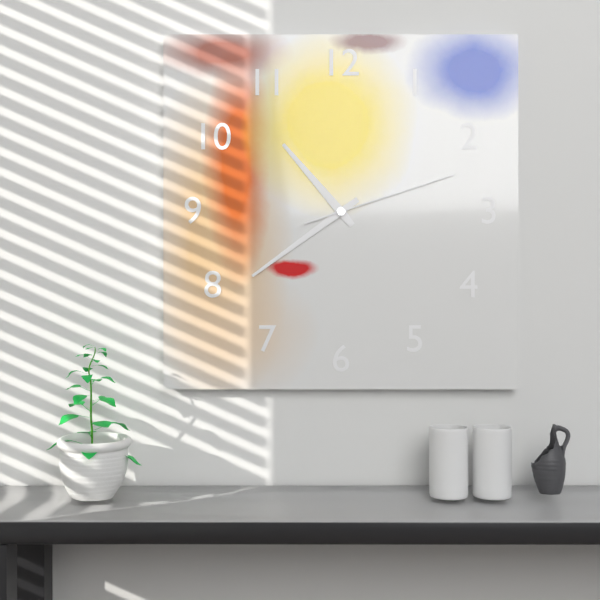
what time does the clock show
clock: 10:39:12
